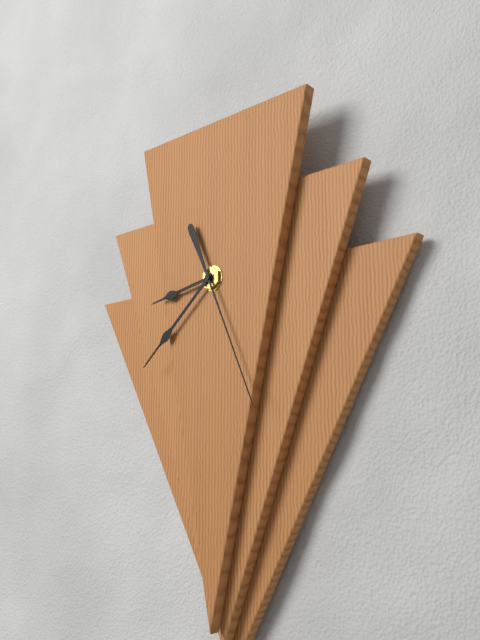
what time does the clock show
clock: 8:38:26
